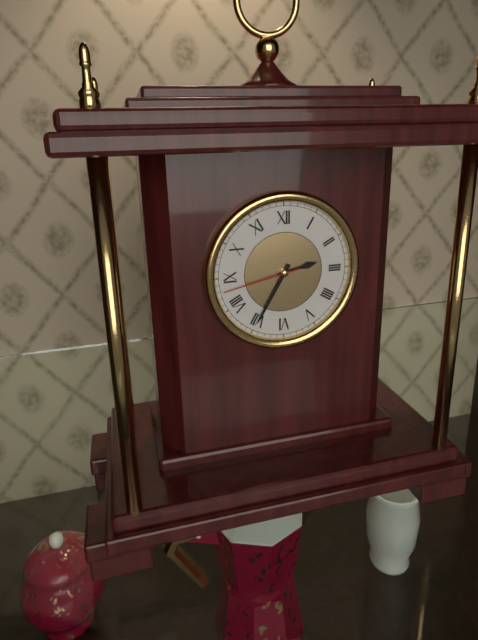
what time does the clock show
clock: 2:35:43
